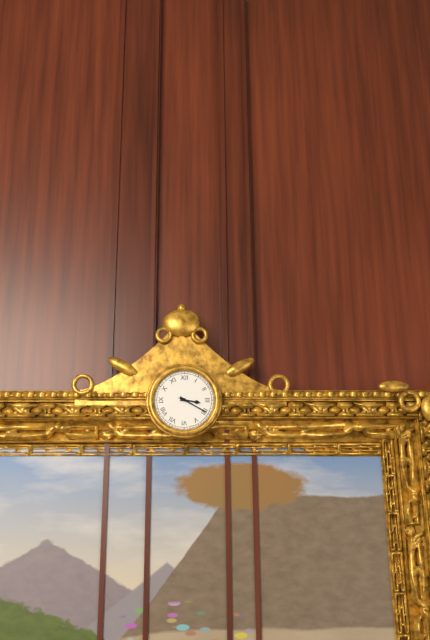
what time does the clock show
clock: 3:20
